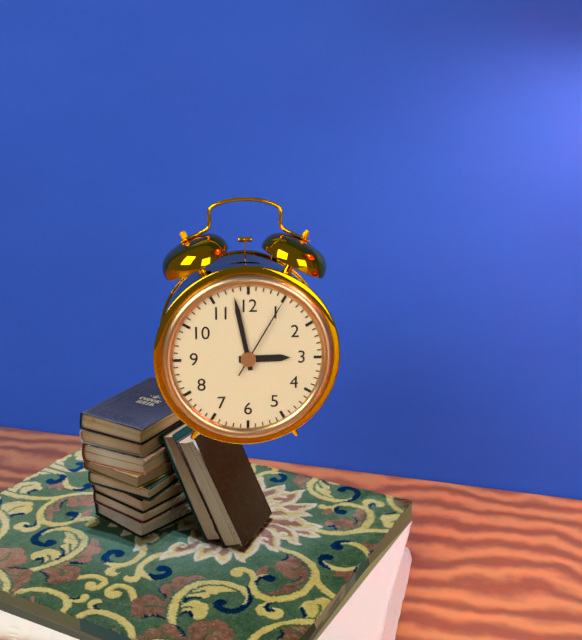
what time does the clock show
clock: 2:58:05
